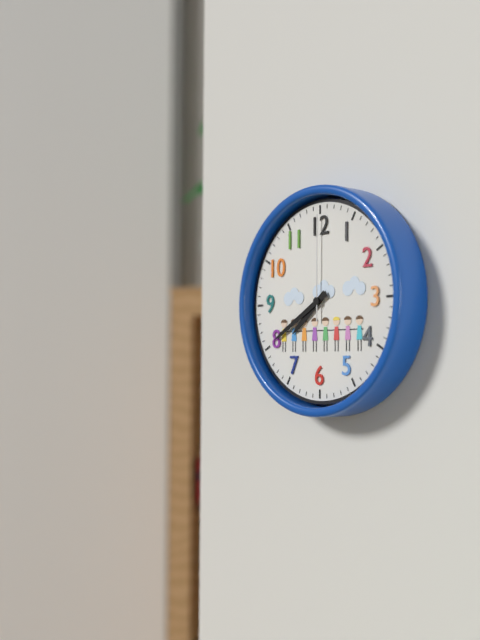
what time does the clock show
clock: 7:40:00
